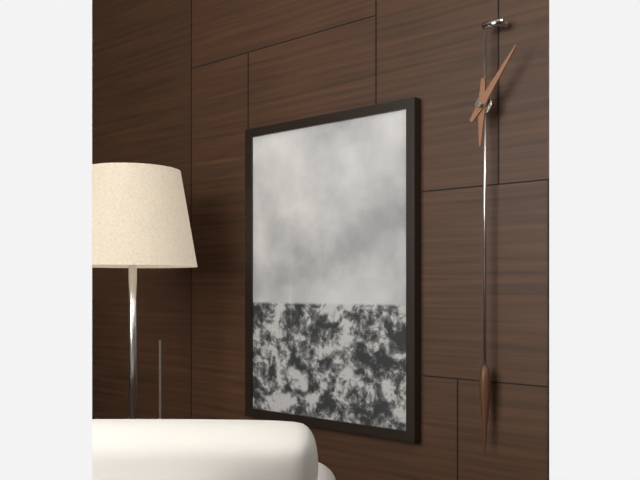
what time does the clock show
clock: 6:06
